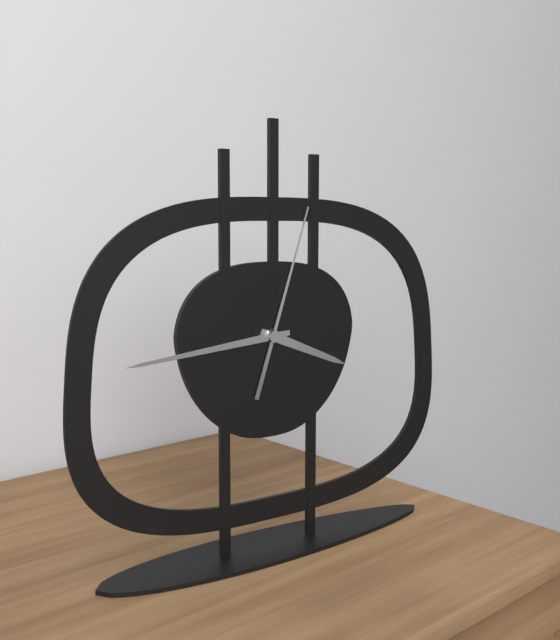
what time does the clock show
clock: 3:44:03
